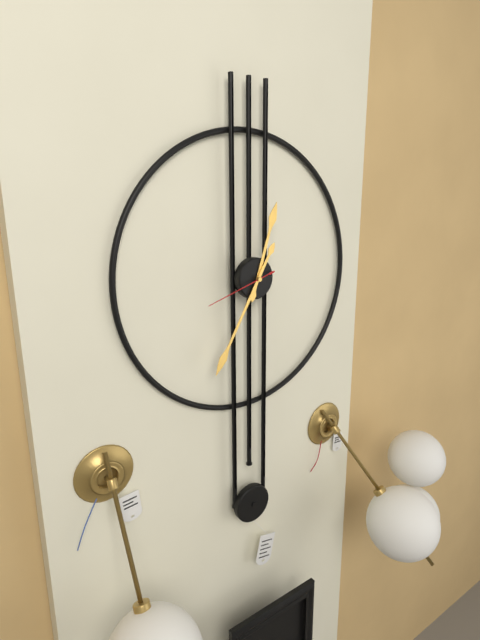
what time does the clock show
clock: 12:35:42
